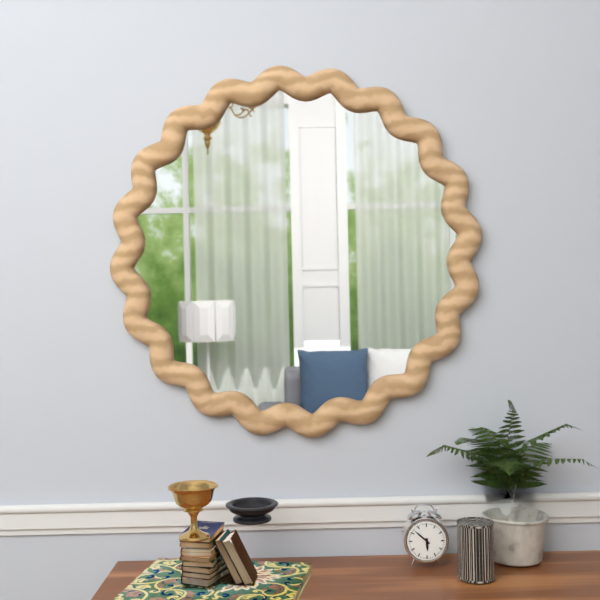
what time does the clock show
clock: 5:52
